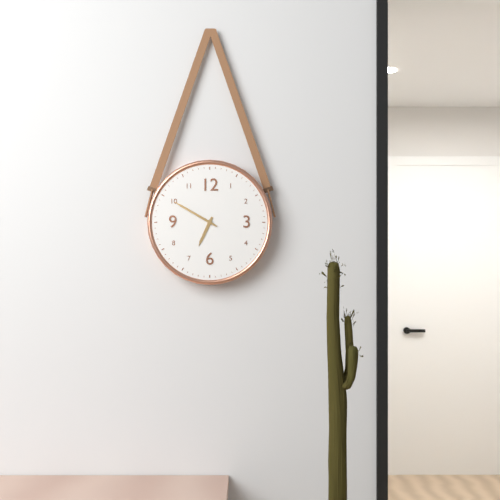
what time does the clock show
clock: 6:50
